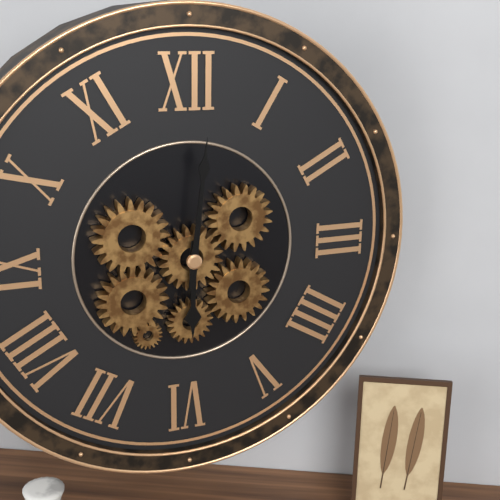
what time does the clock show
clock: 6:01
